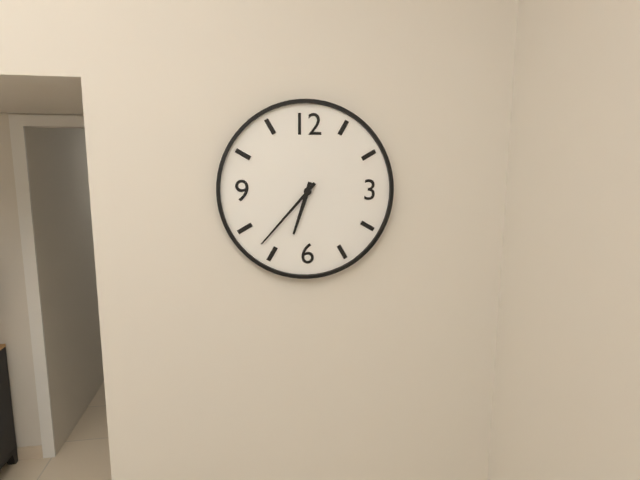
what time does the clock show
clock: 6:37
